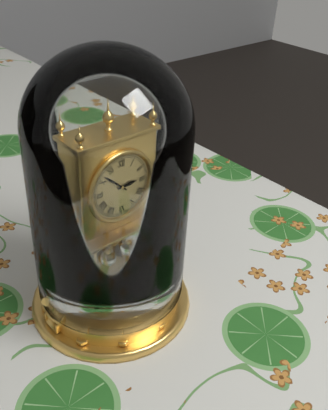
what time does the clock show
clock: 2:52
